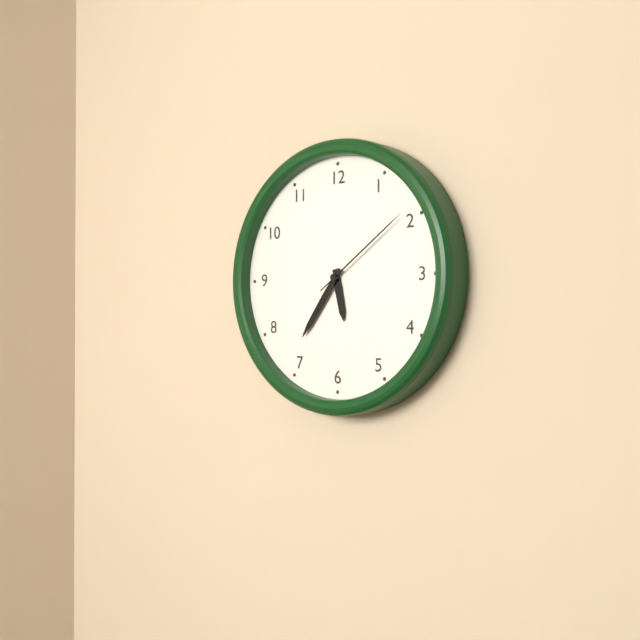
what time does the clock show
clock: 5:36:09
